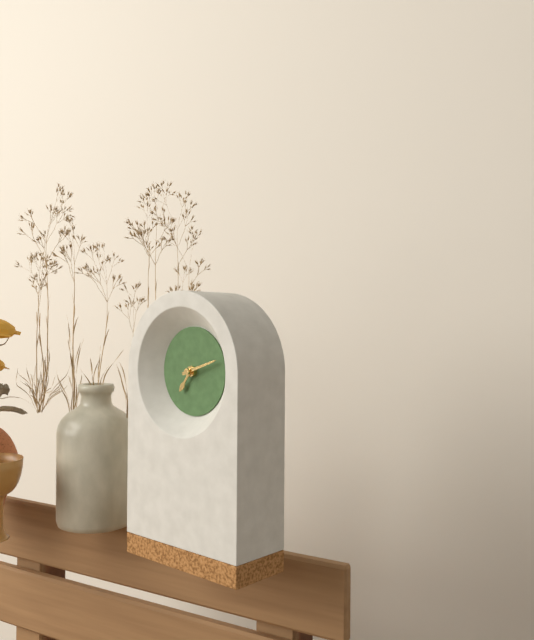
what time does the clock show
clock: 7:12
